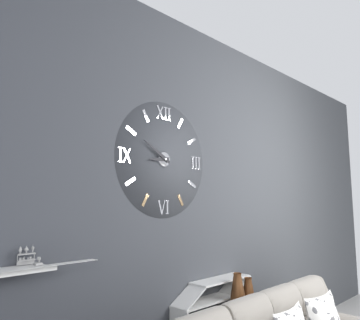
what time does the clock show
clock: 8:50
